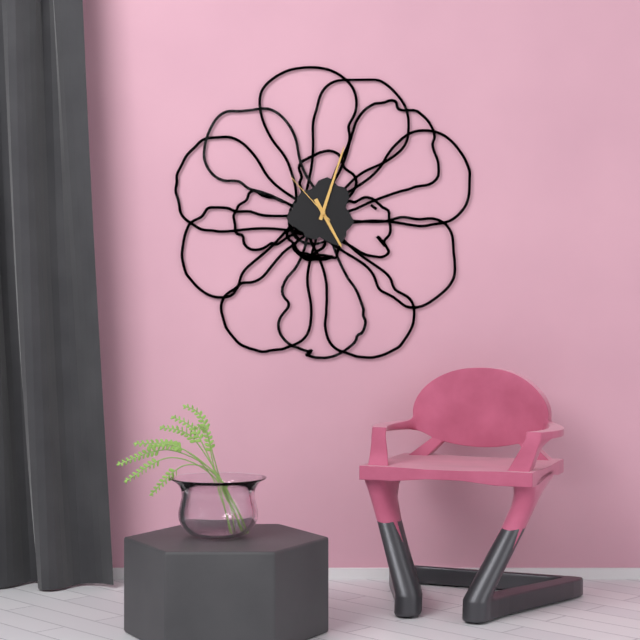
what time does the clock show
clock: 5:03:53
